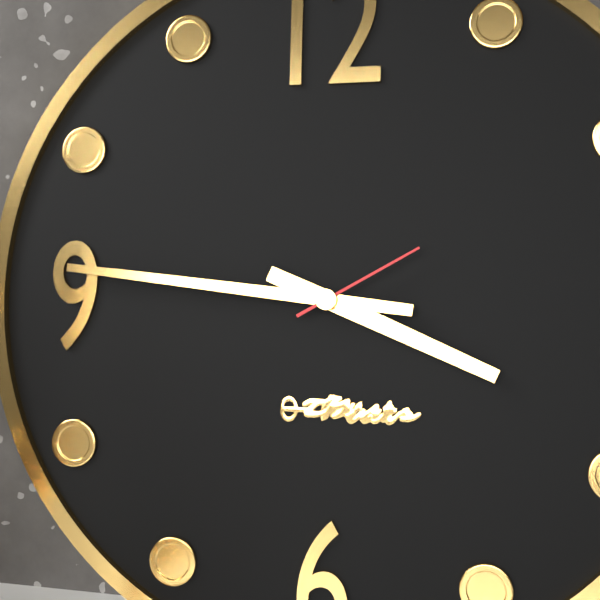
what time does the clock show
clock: 3:46:10
